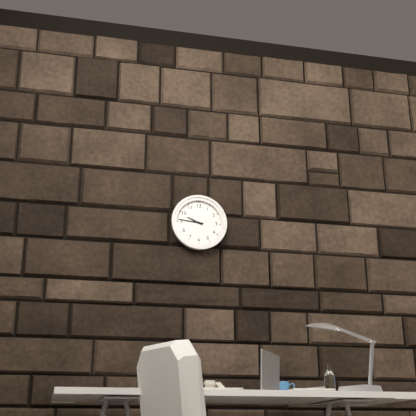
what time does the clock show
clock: 9:46
